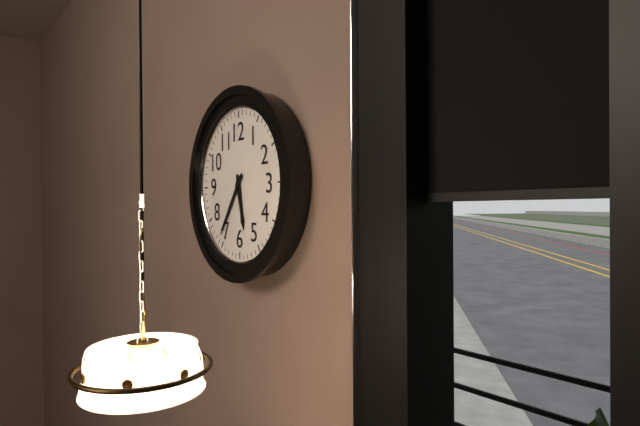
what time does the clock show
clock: 5:36
